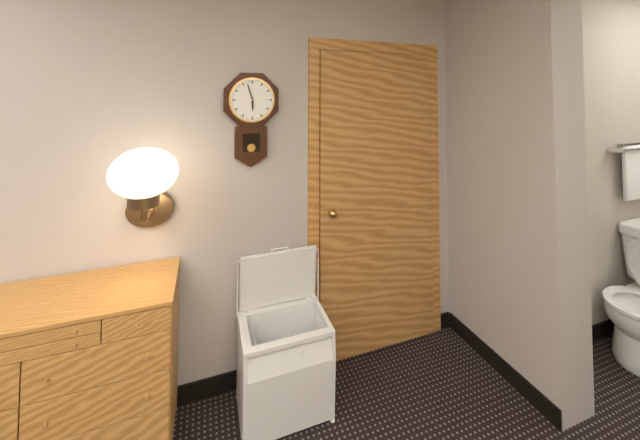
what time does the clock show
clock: 5:57
